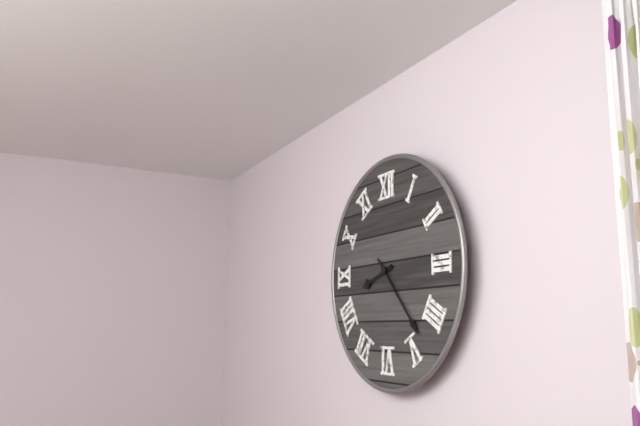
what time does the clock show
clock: 8:23
